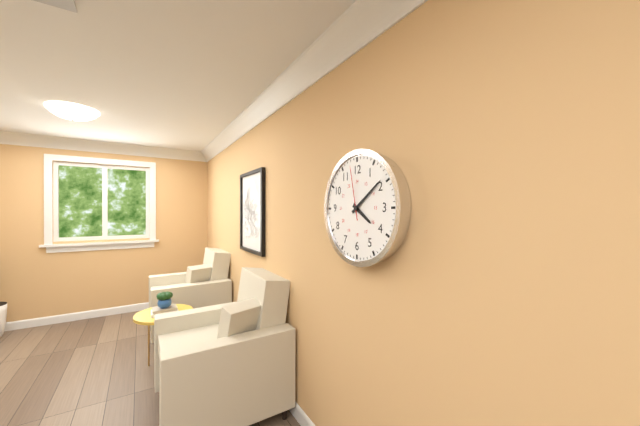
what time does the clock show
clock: 4:09:58
